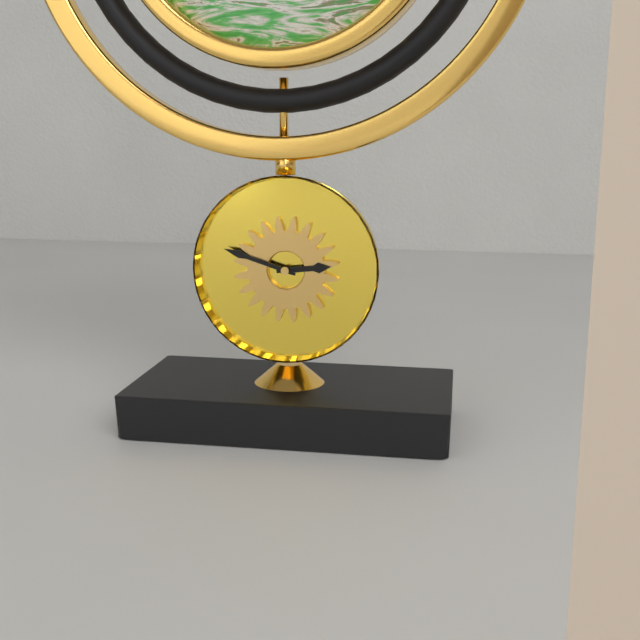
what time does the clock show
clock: 2:48
